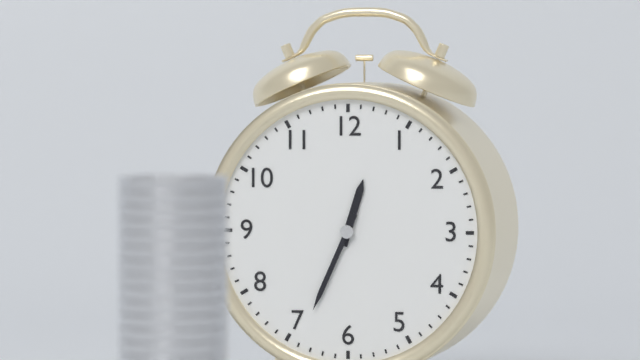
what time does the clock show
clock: 12:34
